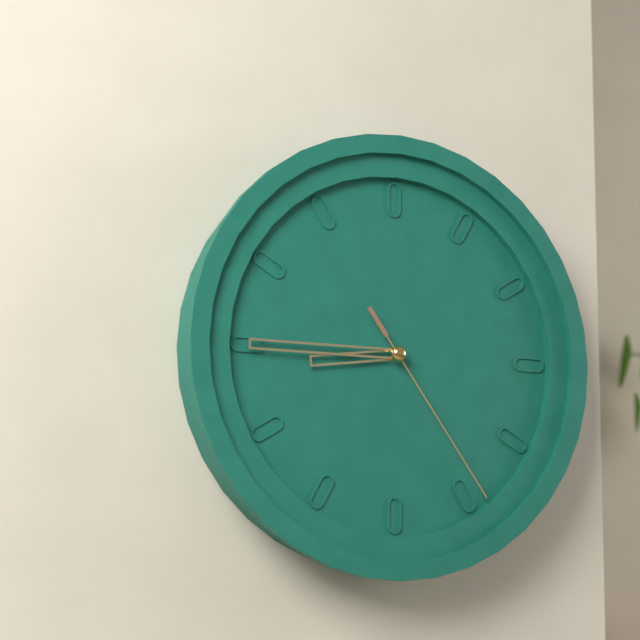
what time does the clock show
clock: 8:45:24
